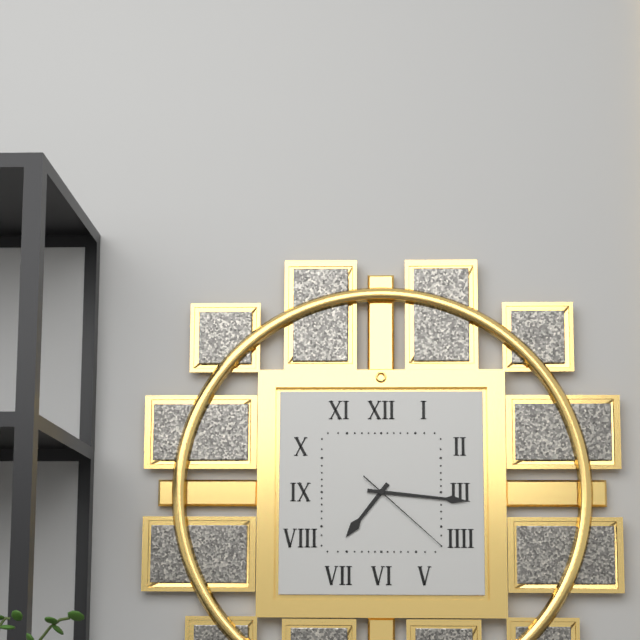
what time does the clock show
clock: 7:16:22
